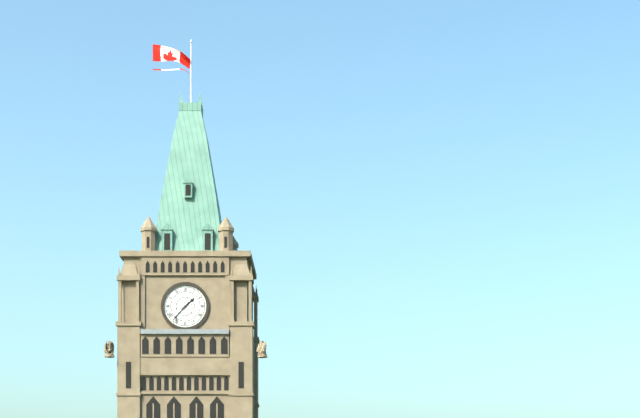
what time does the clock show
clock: 1:37
